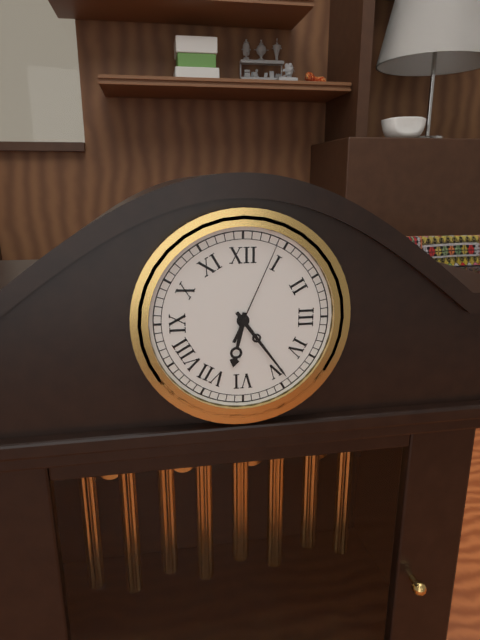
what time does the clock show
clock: 6:24:04
